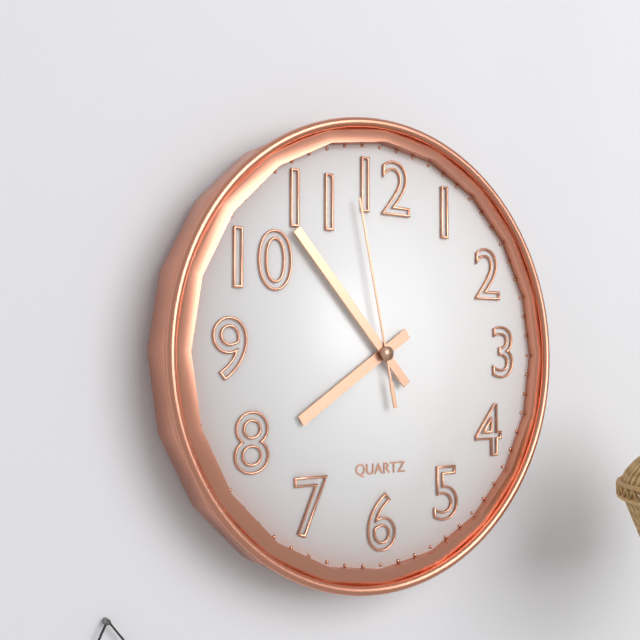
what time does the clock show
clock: 7:53:58
